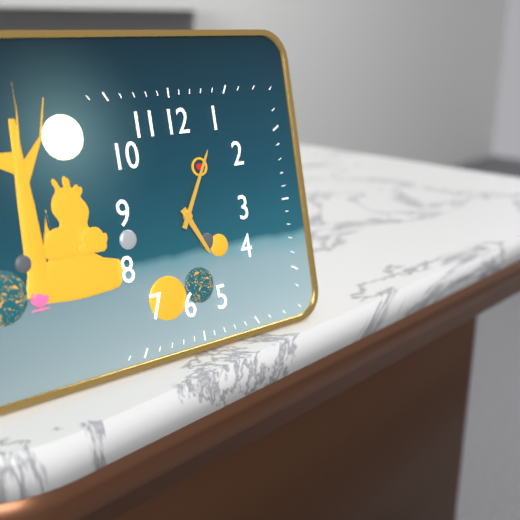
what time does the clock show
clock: 5:05
